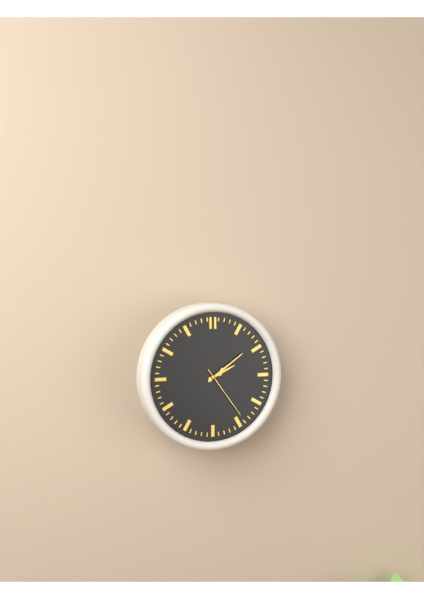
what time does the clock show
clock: 2:09:24
